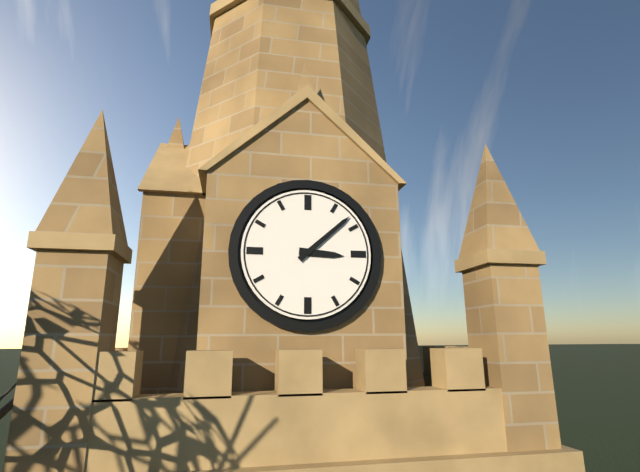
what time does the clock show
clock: 3:08
